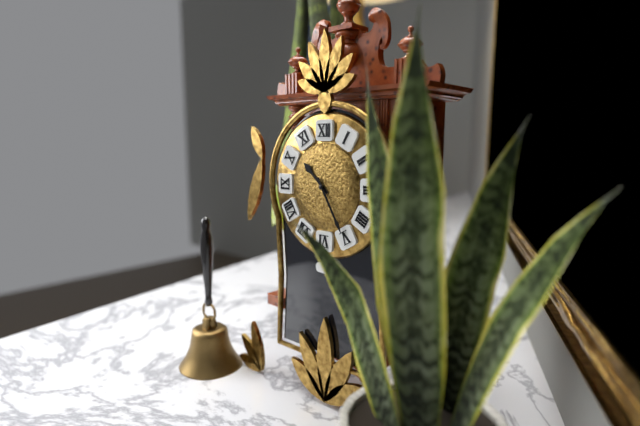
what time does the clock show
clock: 10:25
